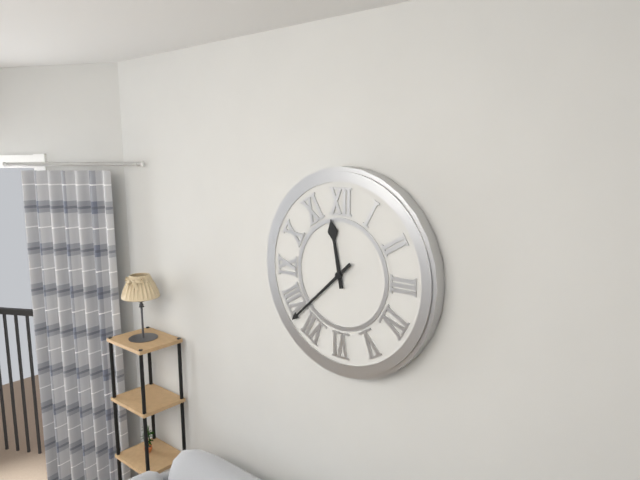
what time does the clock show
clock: 11:38
